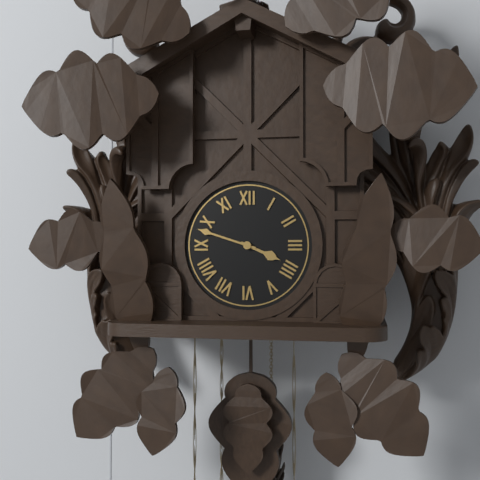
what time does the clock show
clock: 3:48
